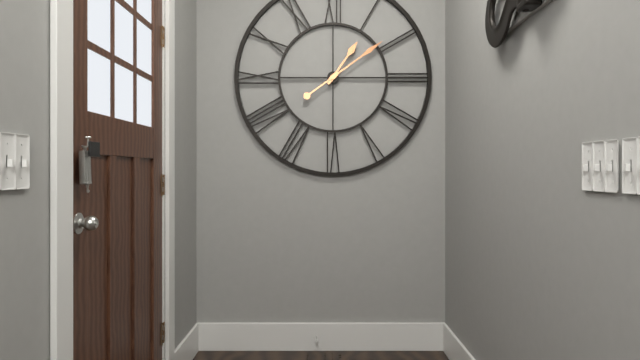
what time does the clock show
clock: 1:09
